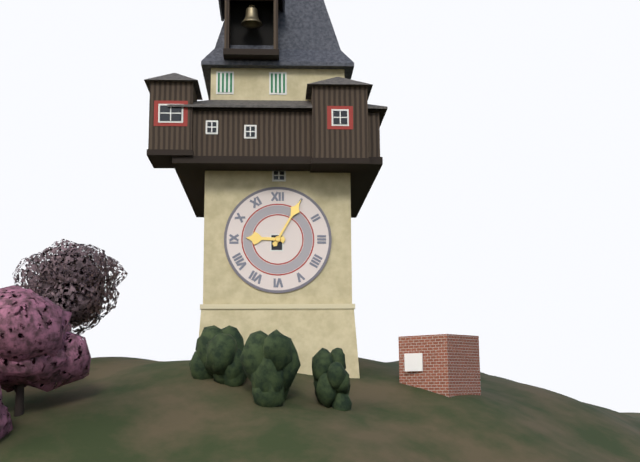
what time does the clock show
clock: 9:05
